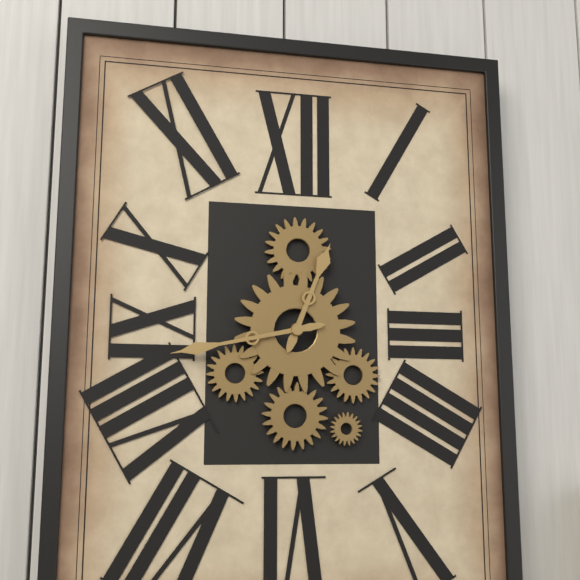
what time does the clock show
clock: 12:43
